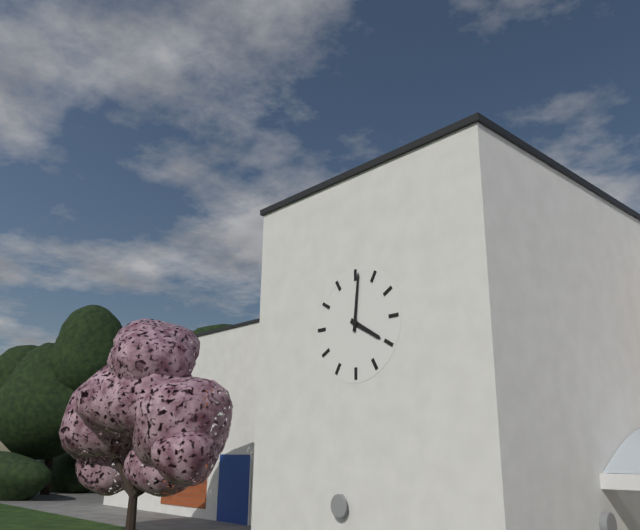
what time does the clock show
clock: 4:01
